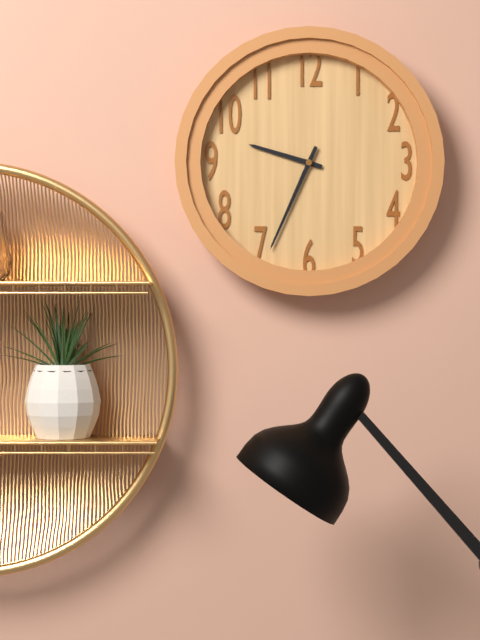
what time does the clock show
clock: 9:34
